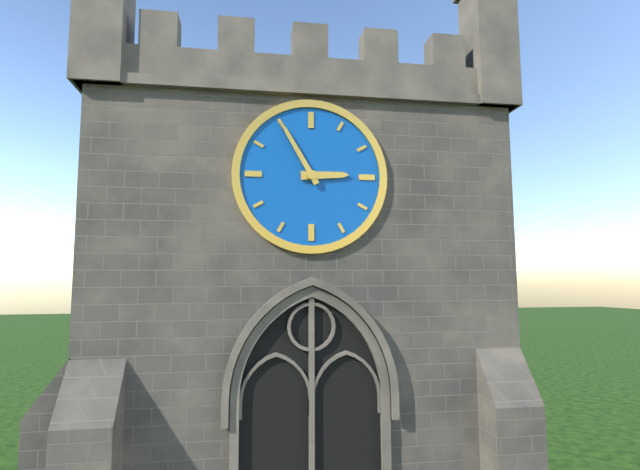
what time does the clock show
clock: 2:55
